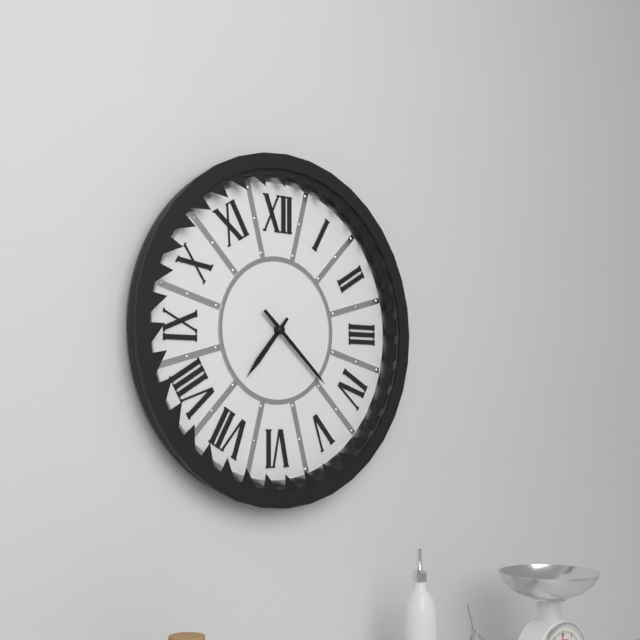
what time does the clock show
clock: 7:22
